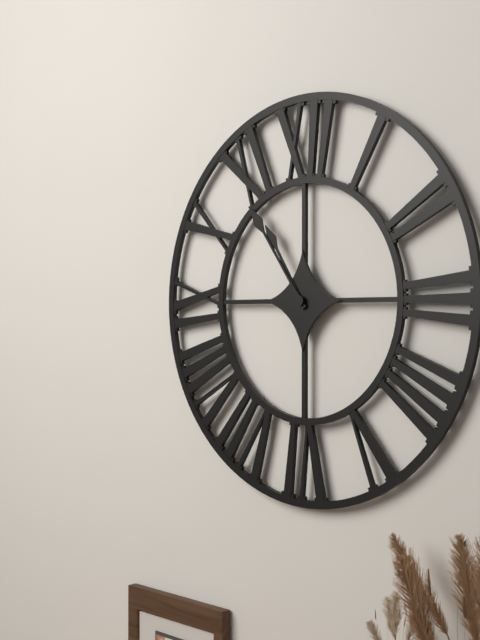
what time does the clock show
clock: 10:54
